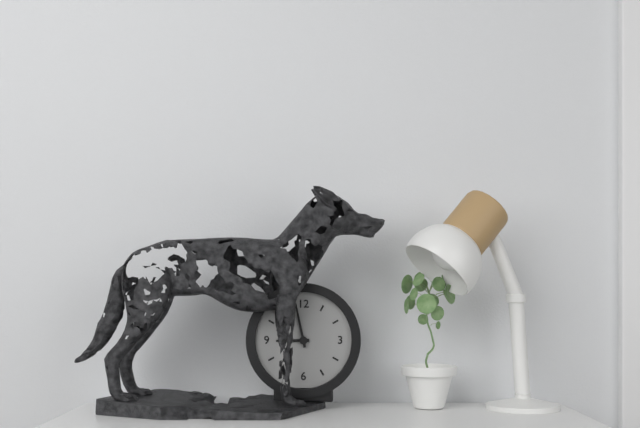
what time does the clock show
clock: 8:58
